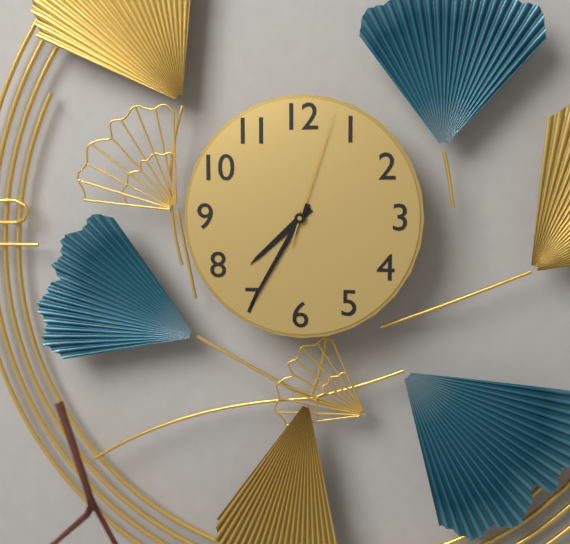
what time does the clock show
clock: 7:35:03
